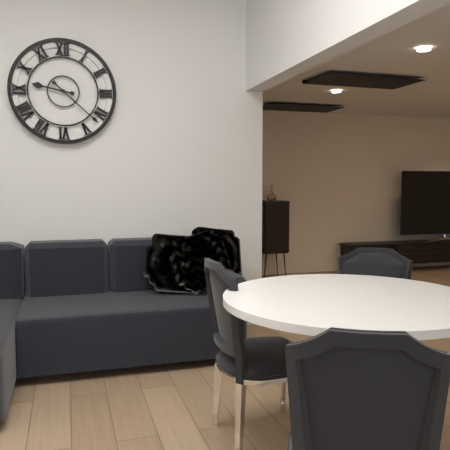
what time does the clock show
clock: 9:22
